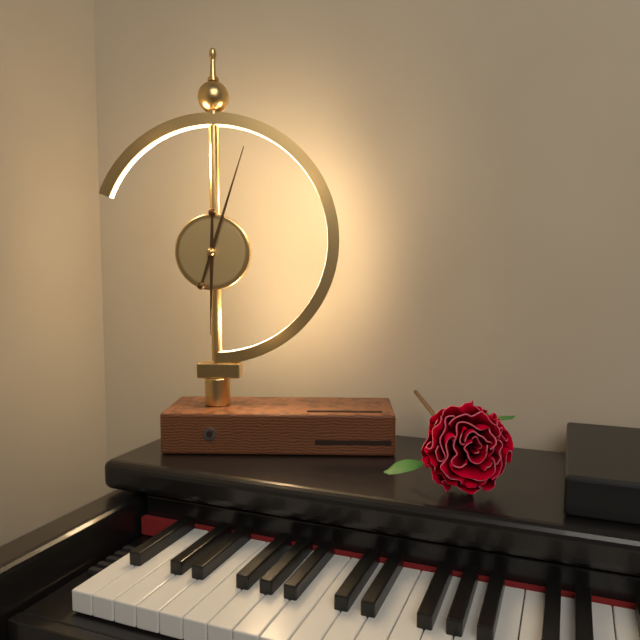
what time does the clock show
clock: 6:03
